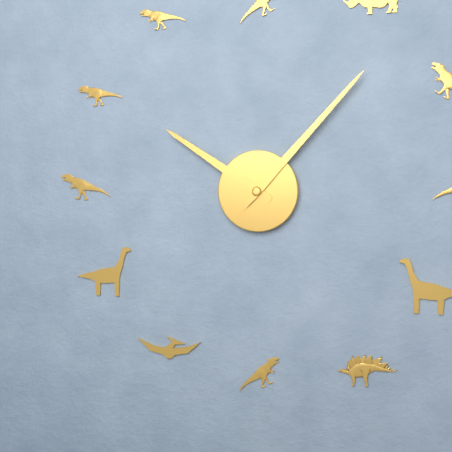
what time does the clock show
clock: 10:07
